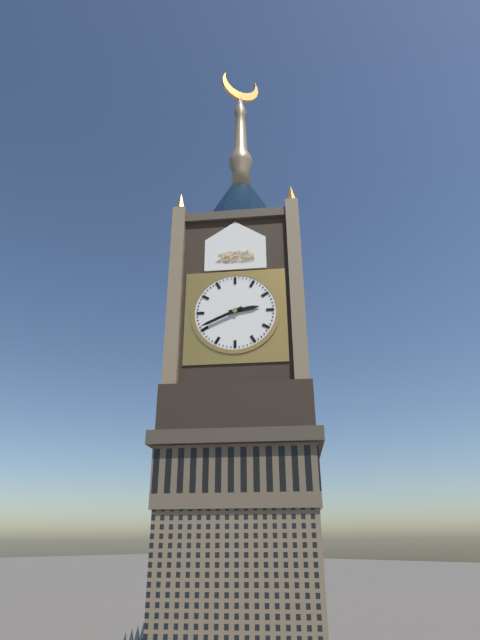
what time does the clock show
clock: 2:41
